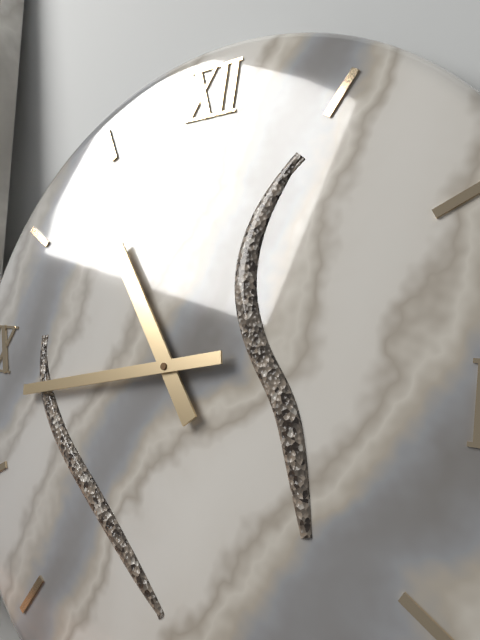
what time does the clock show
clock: 10:43
